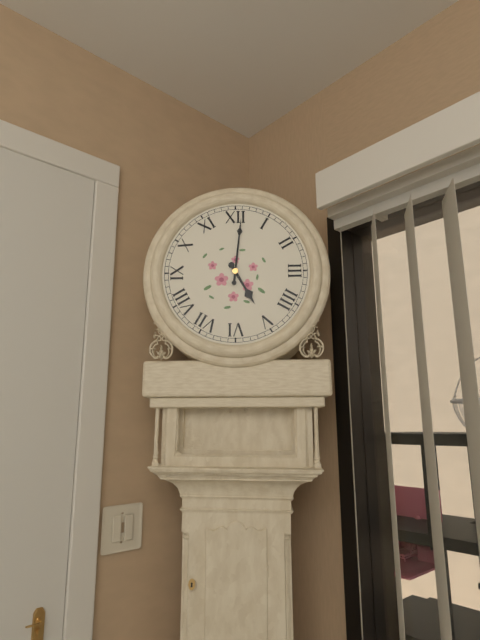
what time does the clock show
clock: 5:01
